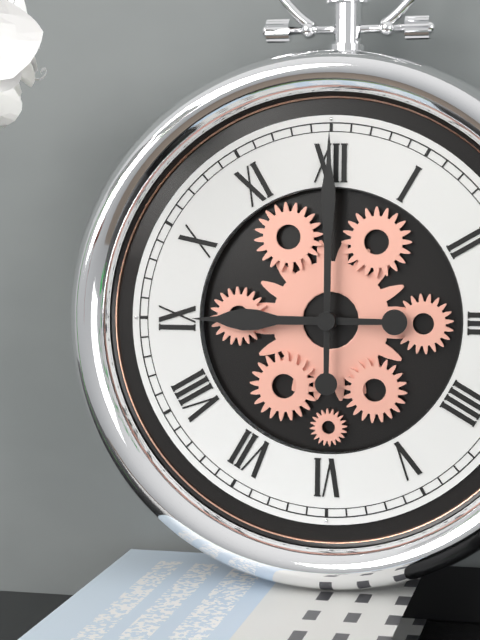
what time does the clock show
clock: 9:00
